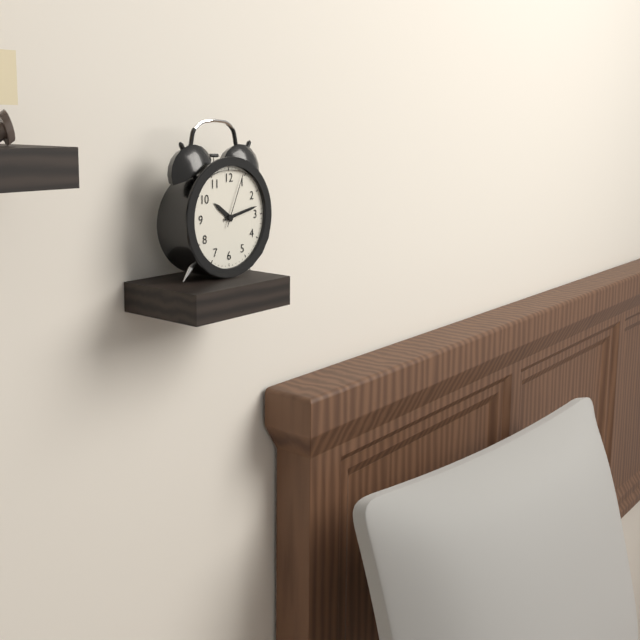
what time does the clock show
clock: 10:13:04
